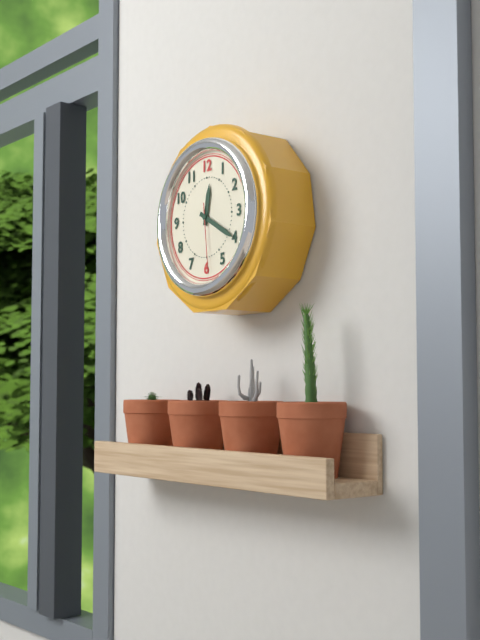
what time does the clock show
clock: 12:20:29
